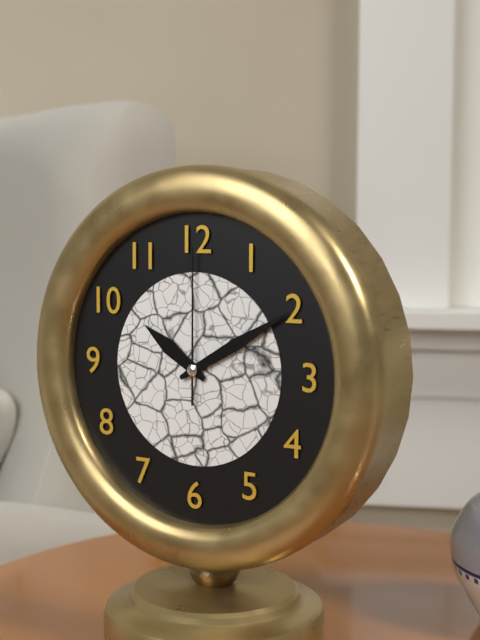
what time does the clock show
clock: 10:10:00
